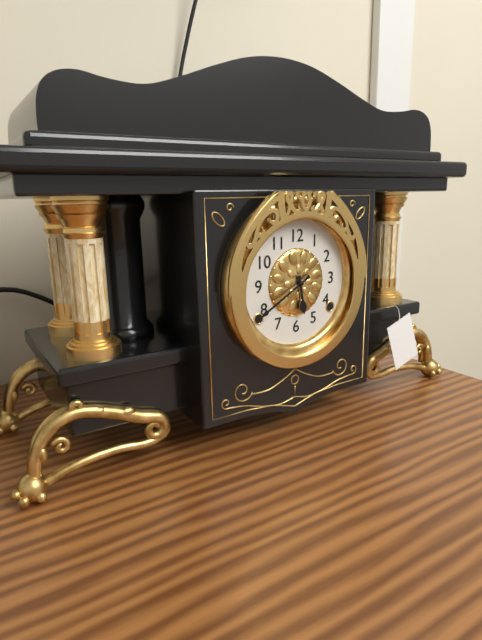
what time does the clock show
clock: 5:40
